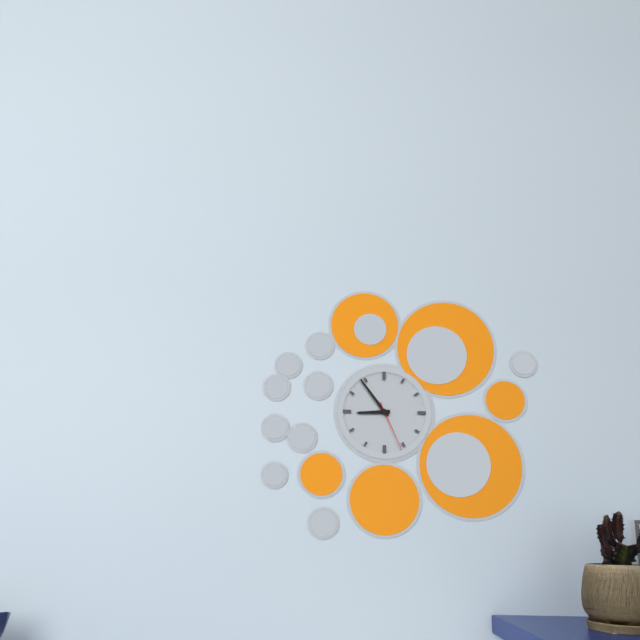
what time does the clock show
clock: 8:54:26
